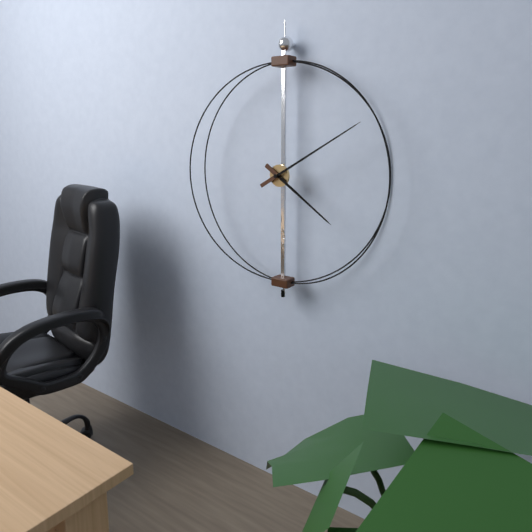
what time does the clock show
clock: 4:10
